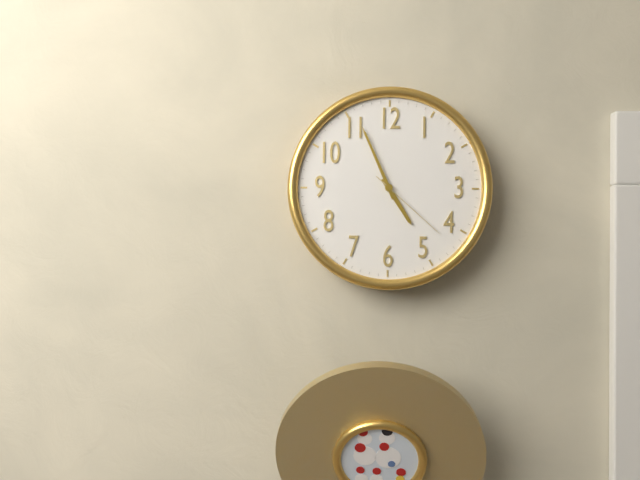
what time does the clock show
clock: 4:56:22
